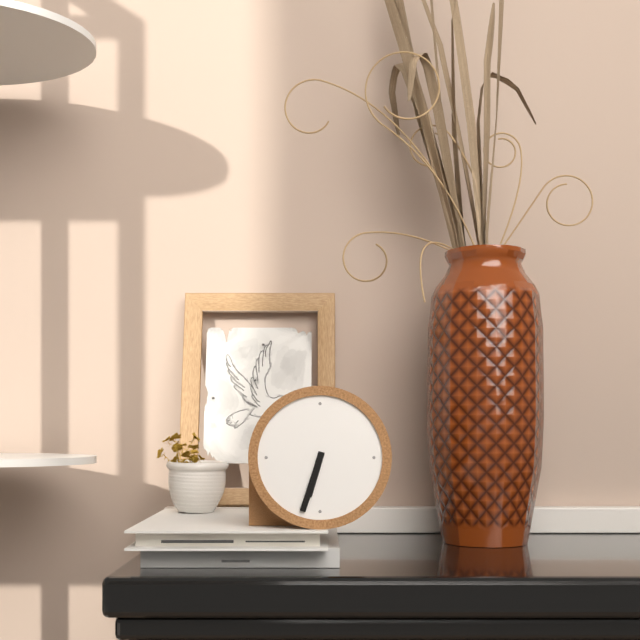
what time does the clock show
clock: 6:33
